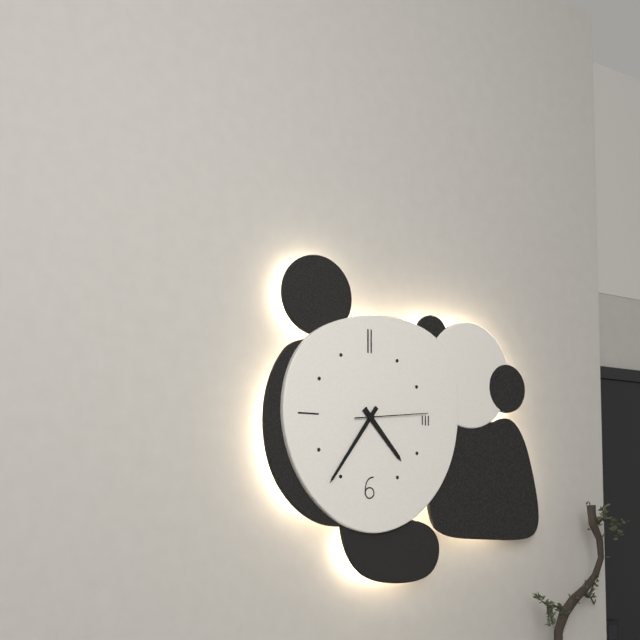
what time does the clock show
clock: 4:36:14
